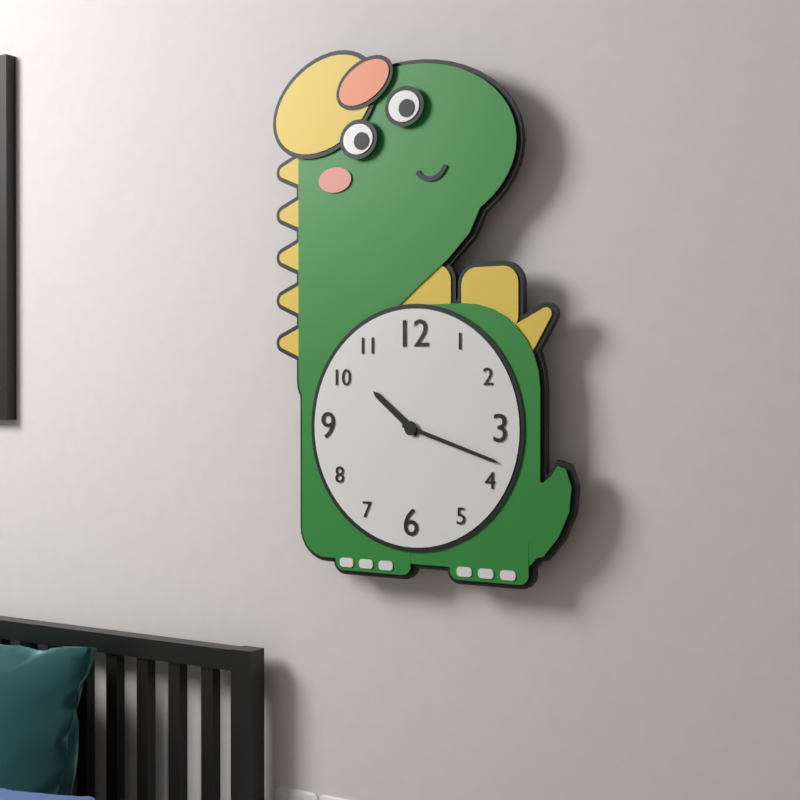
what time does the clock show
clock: 10:18
